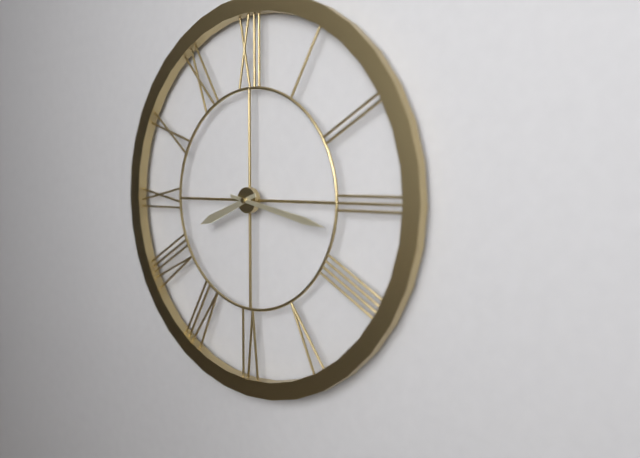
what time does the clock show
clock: 8:17
